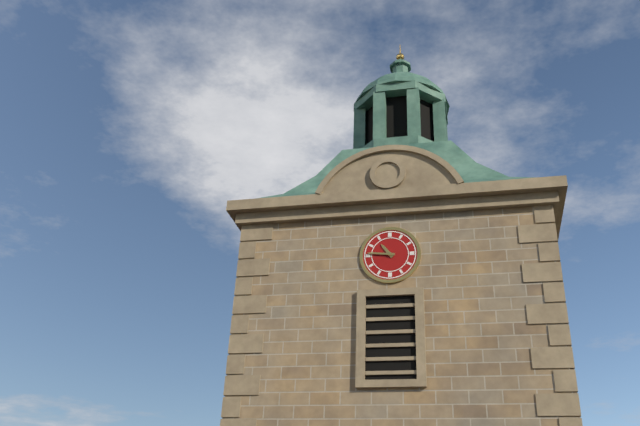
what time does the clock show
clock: 10:46
